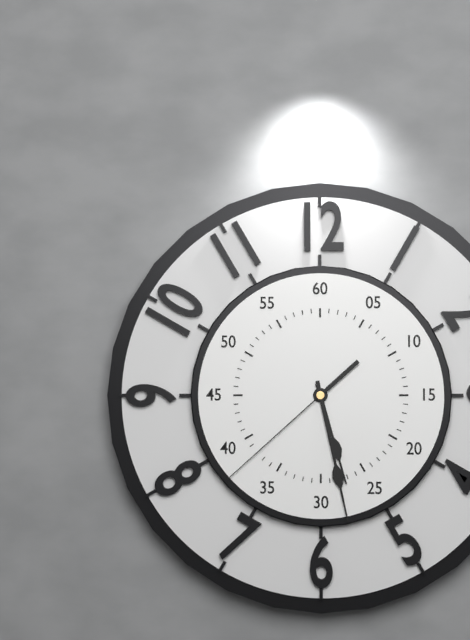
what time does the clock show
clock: 5:28:38
